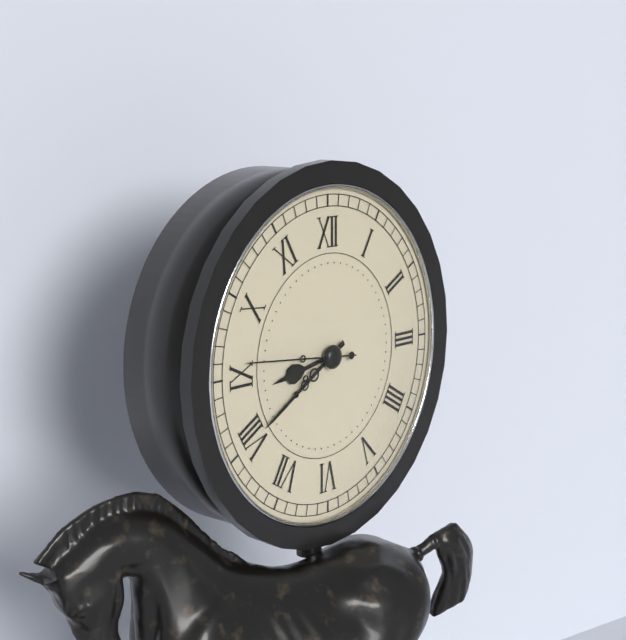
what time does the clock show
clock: 8:40:46
